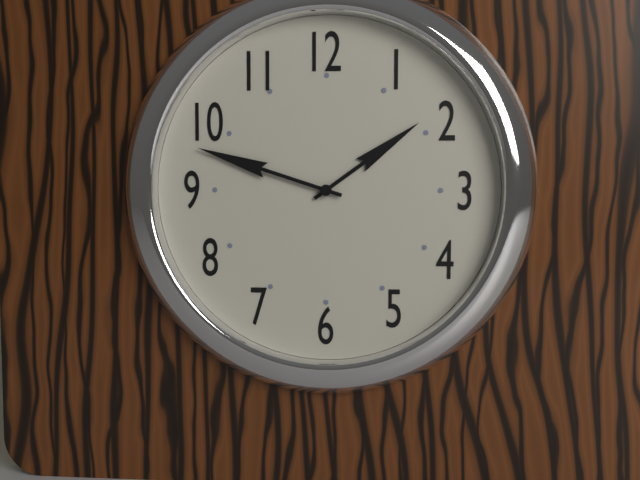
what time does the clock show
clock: 1:48
